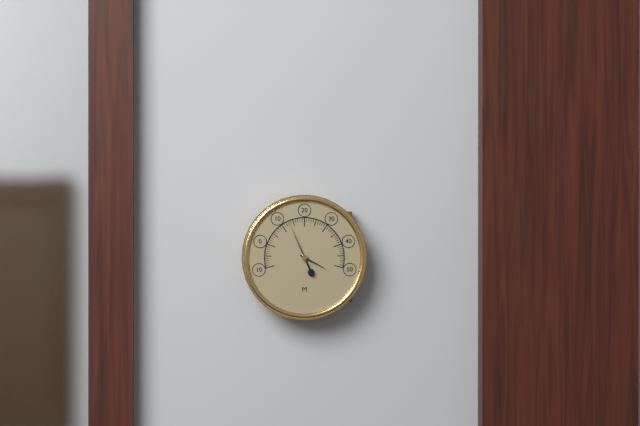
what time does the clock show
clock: 3:56
